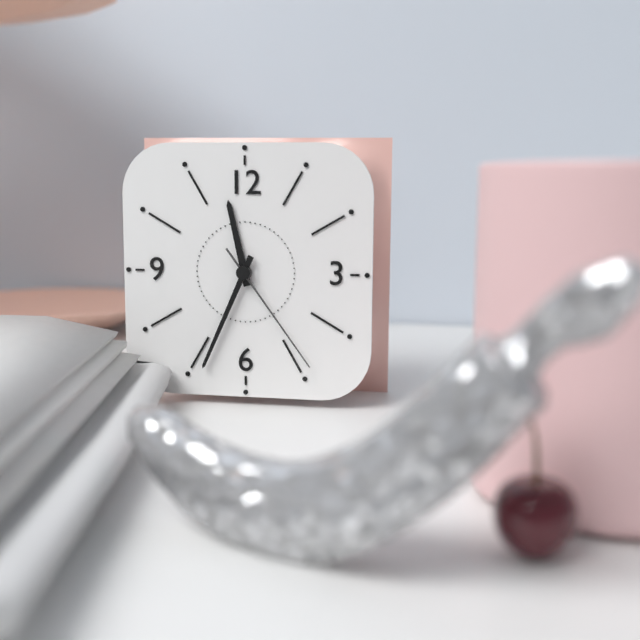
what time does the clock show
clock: 11:34:24
